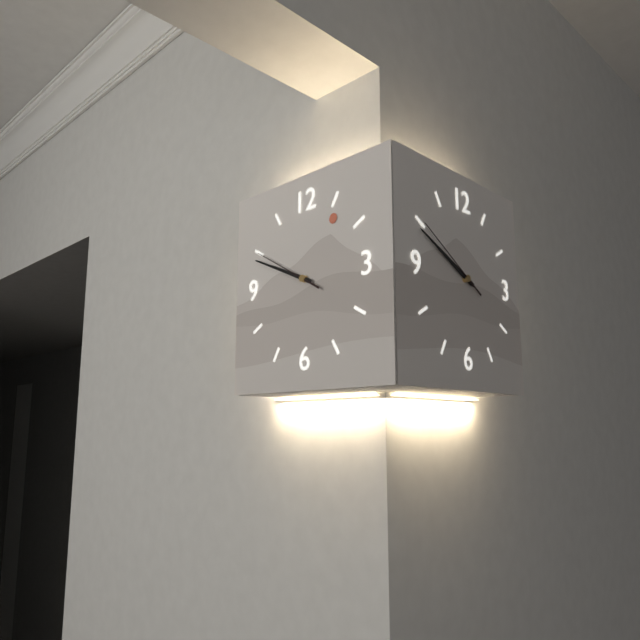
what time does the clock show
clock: 9:49:50
